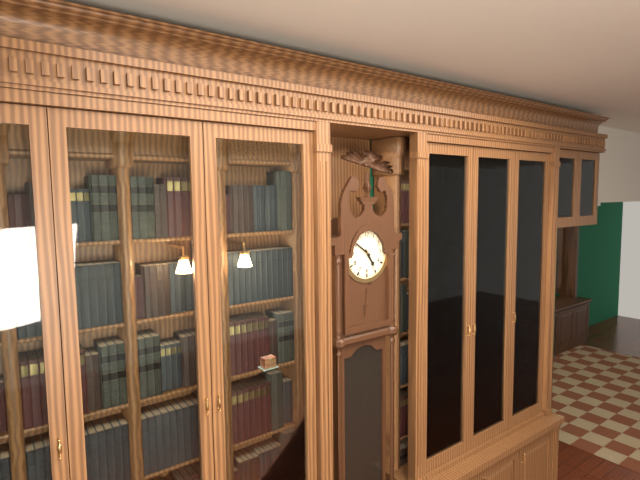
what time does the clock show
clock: 4:51
